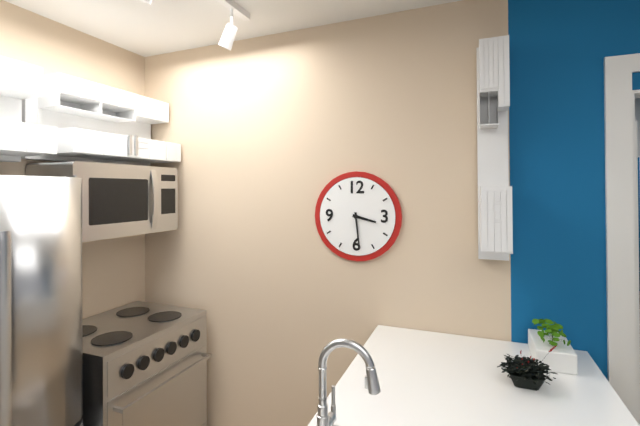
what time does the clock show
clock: 3:29
